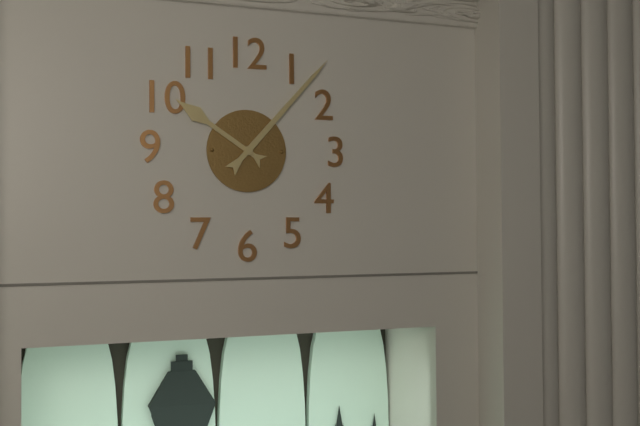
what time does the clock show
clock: 10:07
